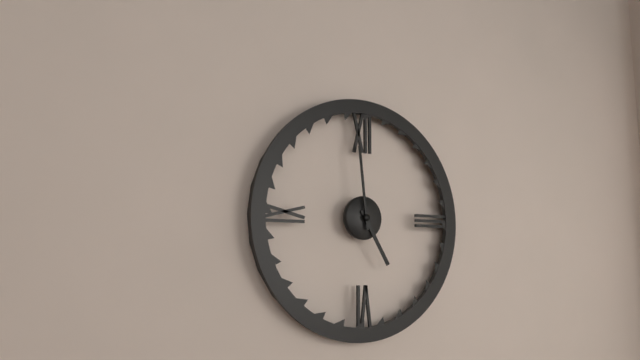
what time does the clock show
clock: 4:59
